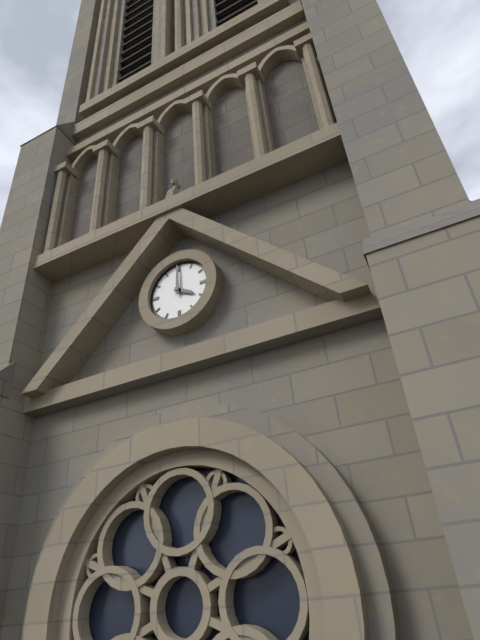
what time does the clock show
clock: 4:00
